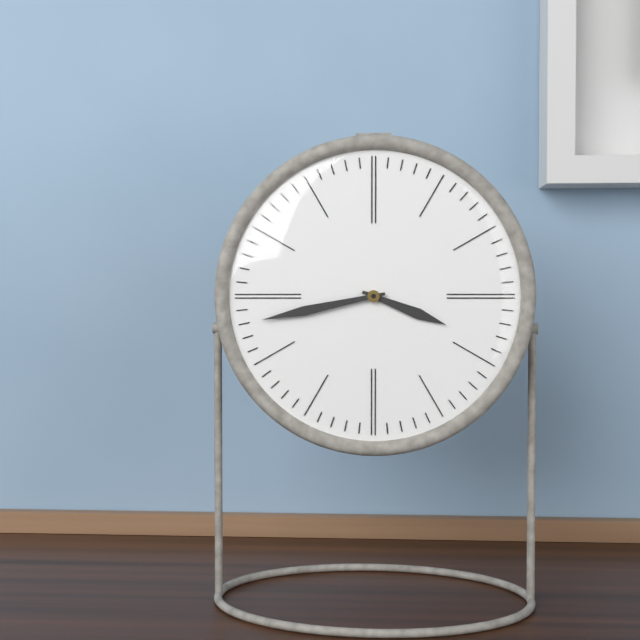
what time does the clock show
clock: 3:43
